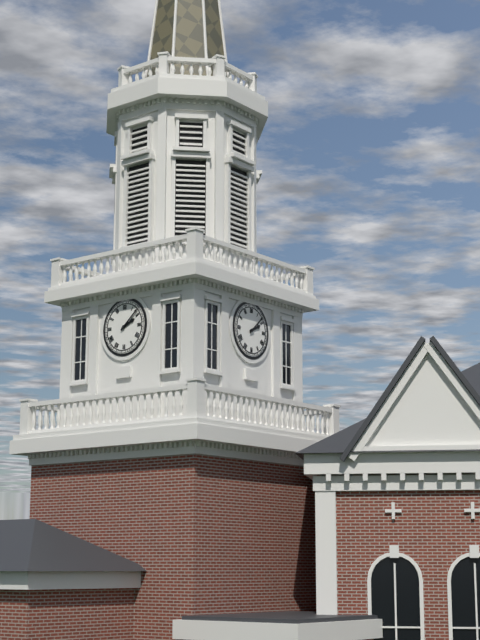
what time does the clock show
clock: 2:08
